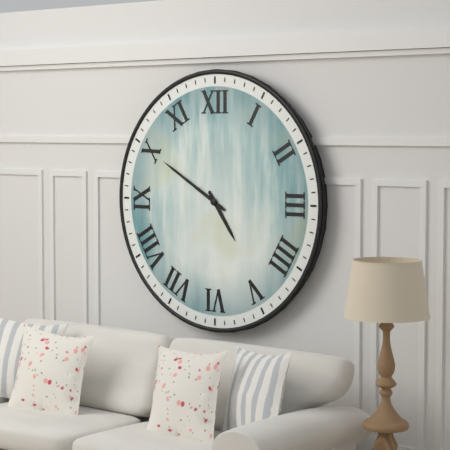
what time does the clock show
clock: 4:50
